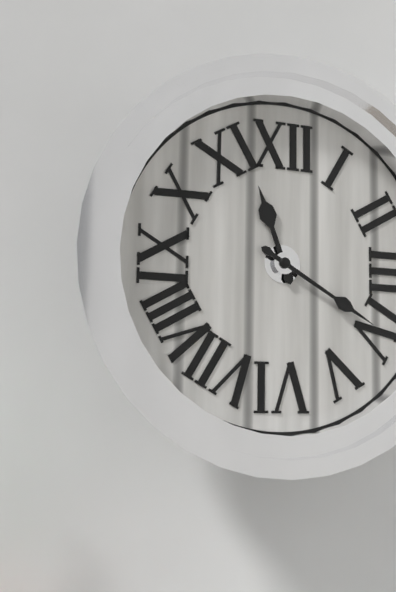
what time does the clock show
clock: 11:20
